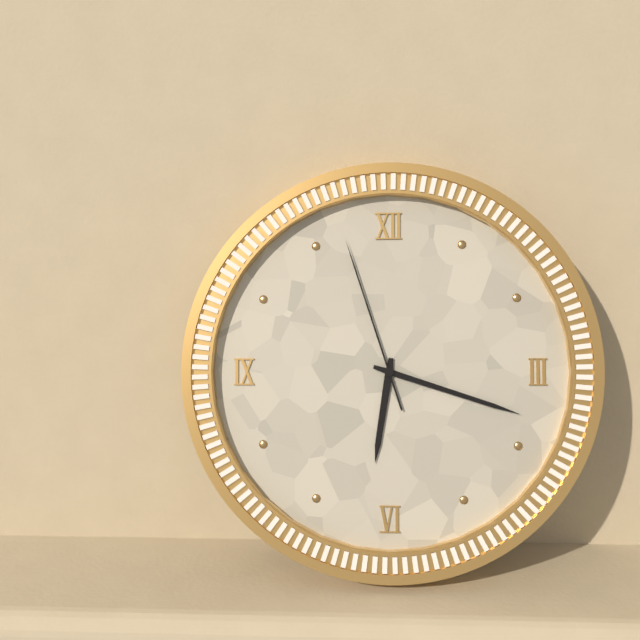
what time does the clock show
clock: 6:18:57
